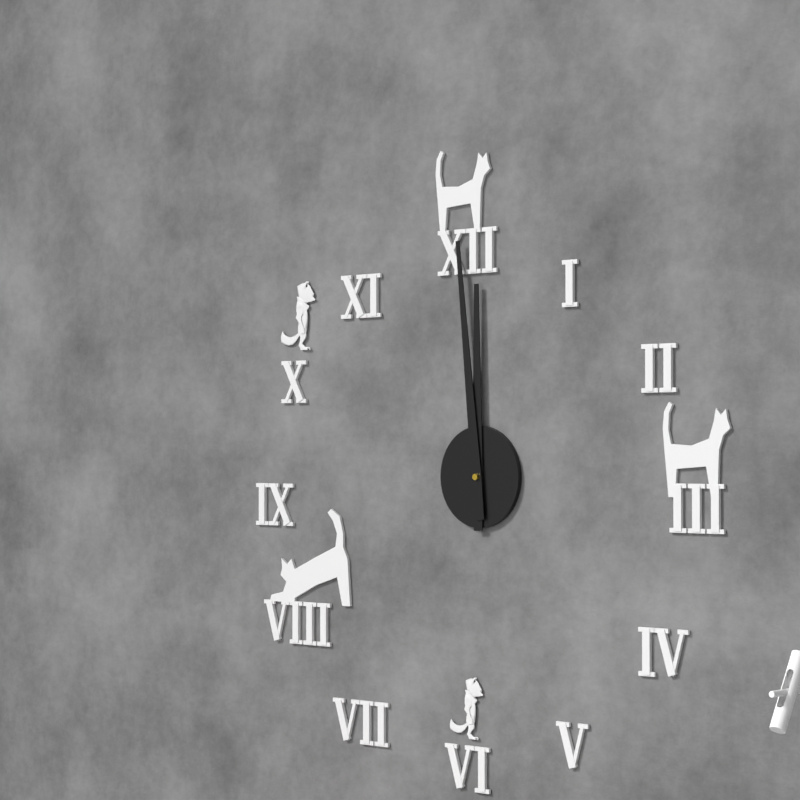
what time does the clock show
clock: 11:59
